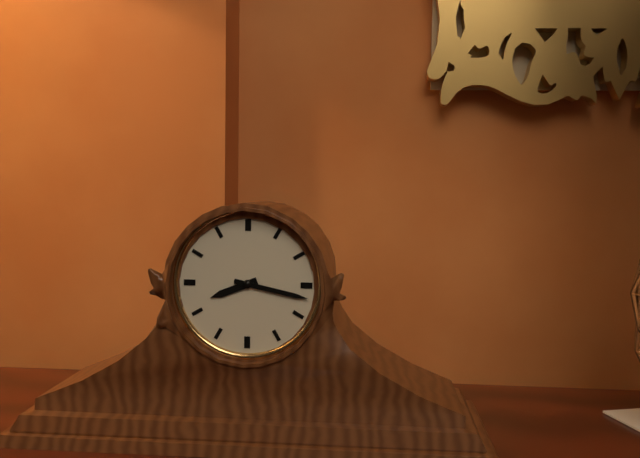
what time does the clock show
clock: 8:17
